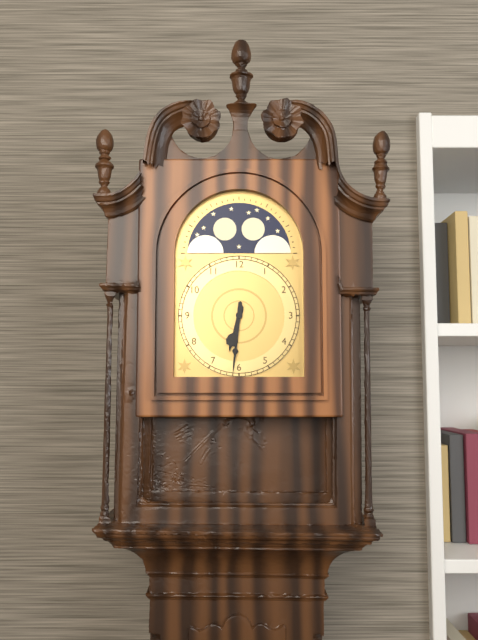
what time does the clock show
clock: 6:31
